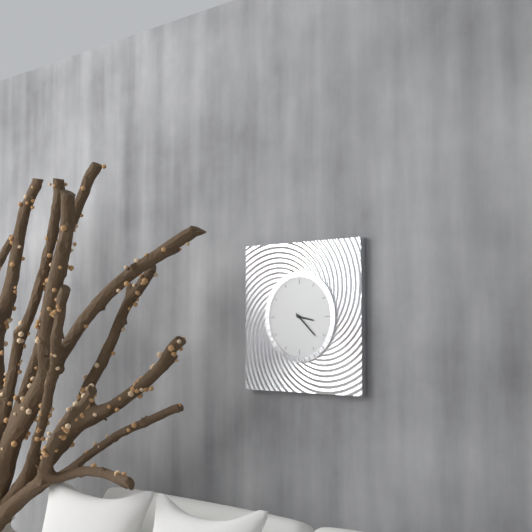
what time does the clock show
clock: 3:22
